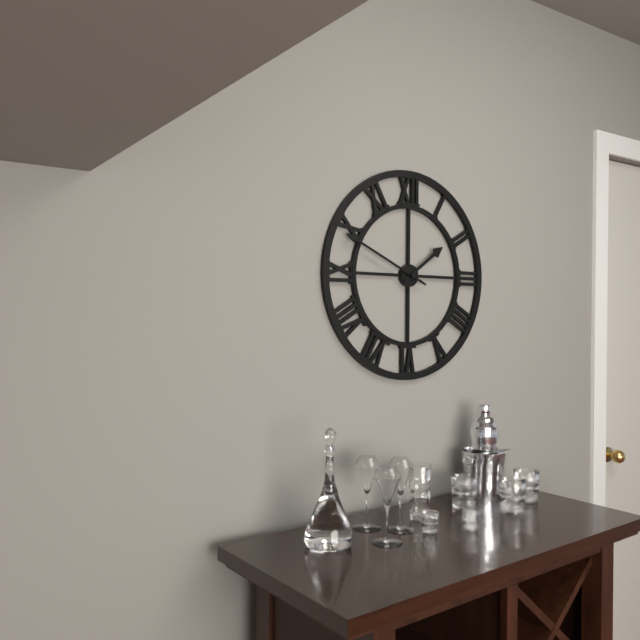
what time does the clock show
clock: 1:49
